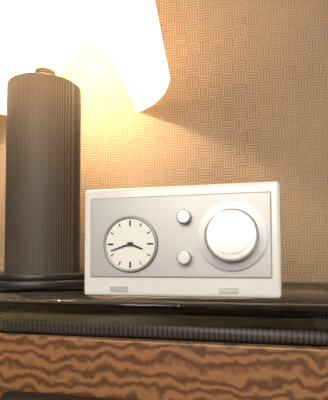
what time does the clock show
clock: 3:42
